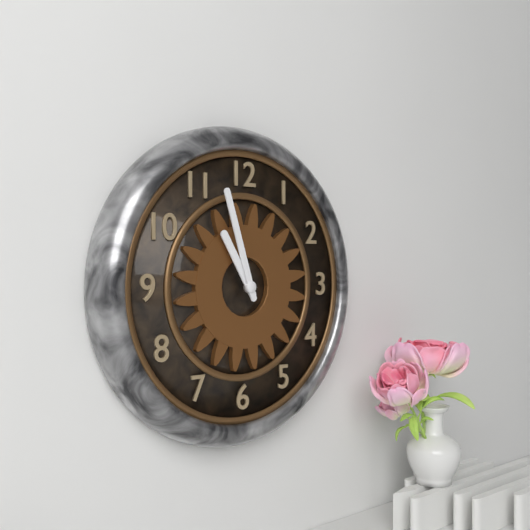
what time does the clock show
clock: 10:57
